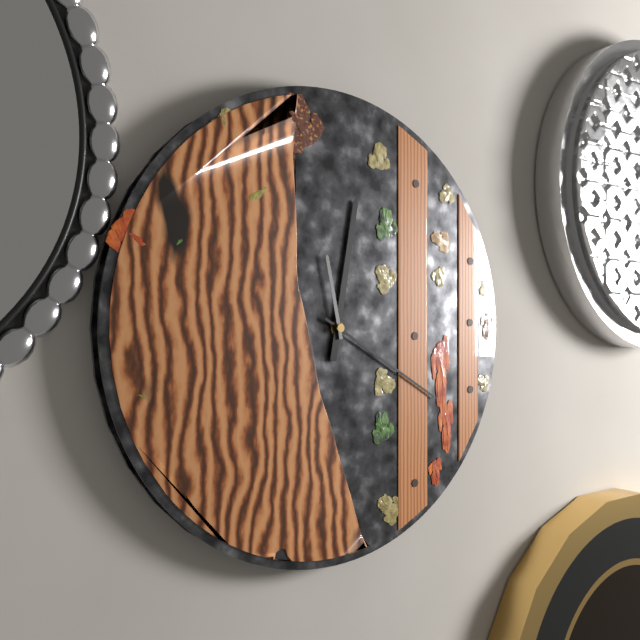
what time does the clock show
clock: 12:20:58
